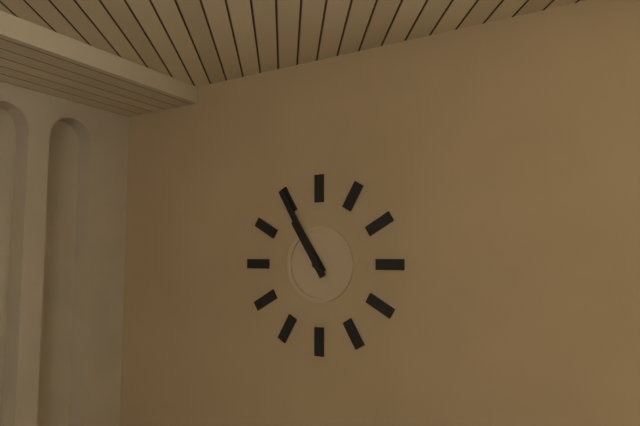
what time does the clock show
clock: 10:55
